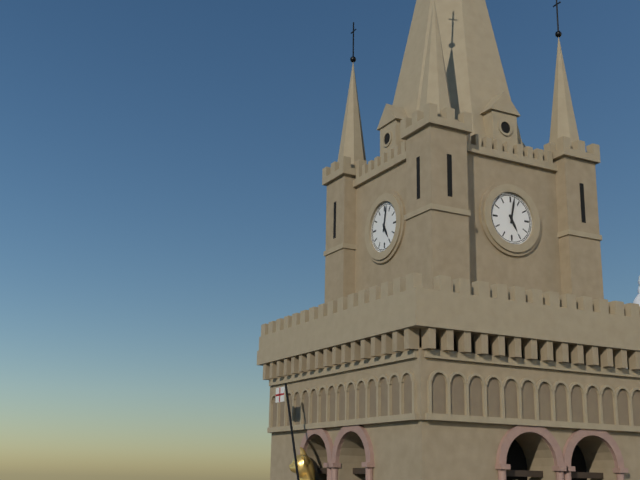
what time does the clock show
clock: 5:02
